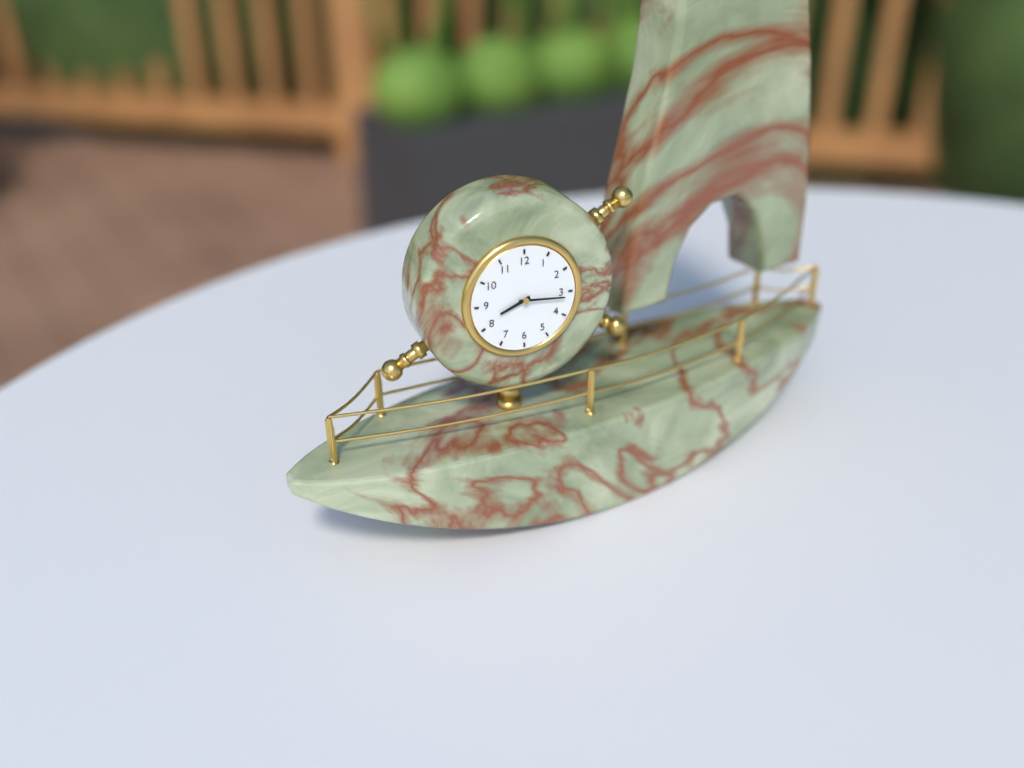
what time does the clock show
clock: 8:16
